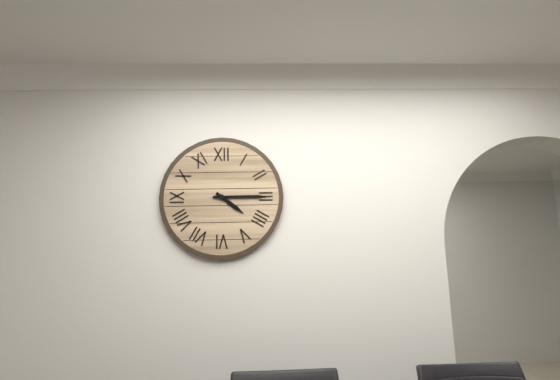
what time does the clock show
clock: 4:15
